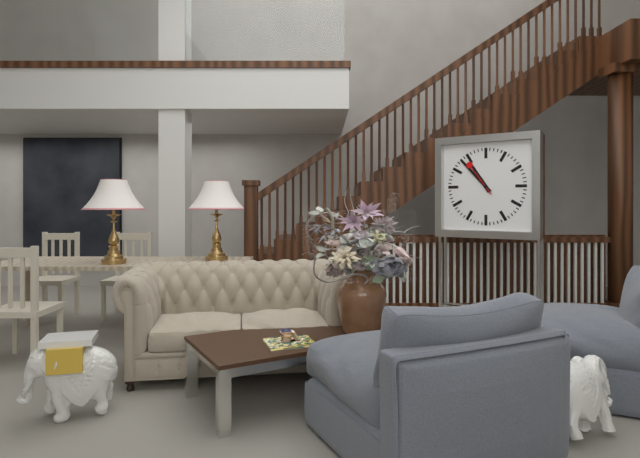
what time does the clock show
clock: 10:53
